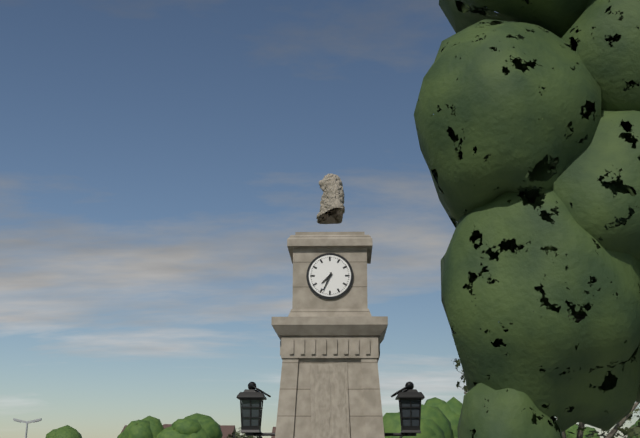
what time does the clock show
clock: 7:34
